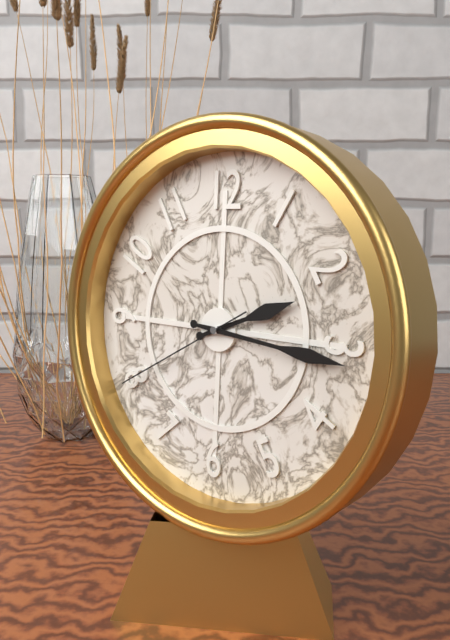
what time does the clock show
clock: 2:16:40
